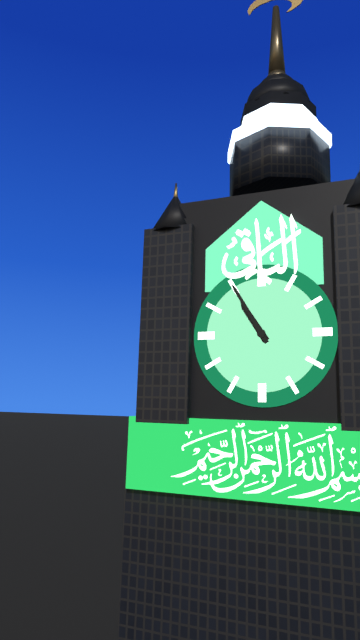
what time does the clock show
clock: 10:55
